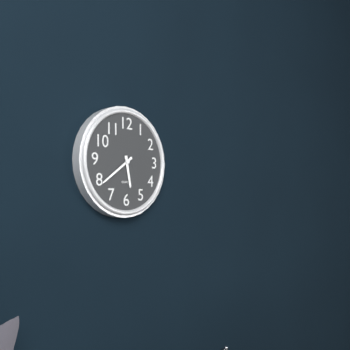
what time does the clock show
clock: 5:39
